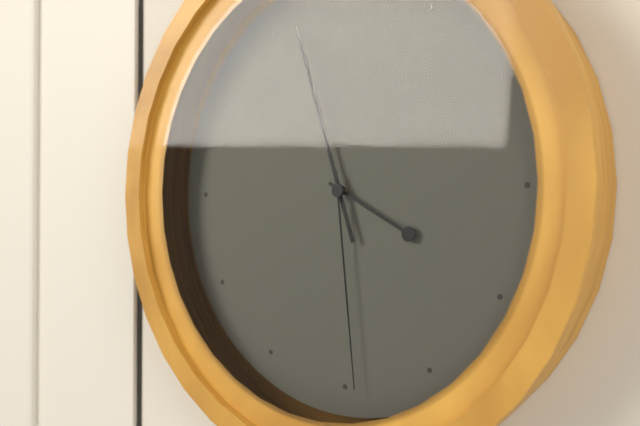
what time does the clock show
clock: 3:57:29
